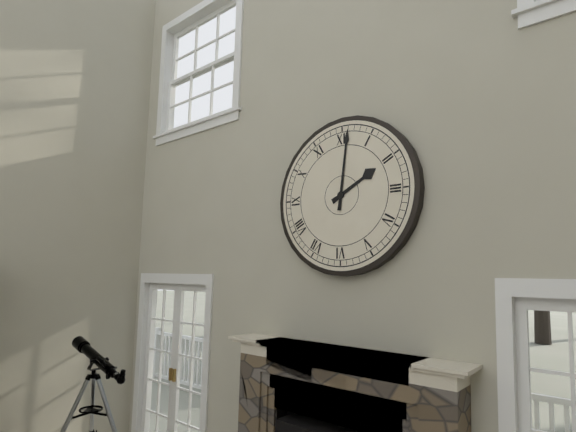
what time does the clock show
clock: 2:01
